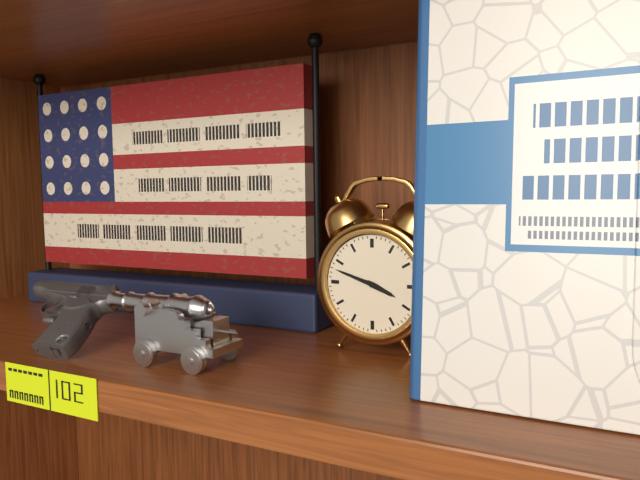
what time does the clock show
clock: 3:48
